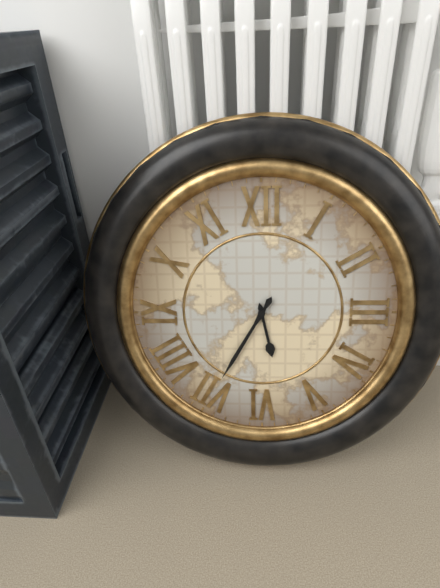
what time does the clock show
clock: 5:35
